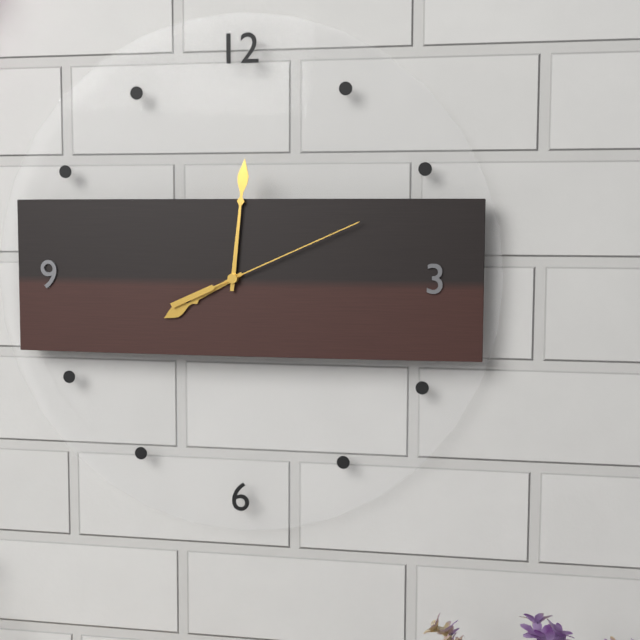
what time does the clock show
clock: 8:01:11
